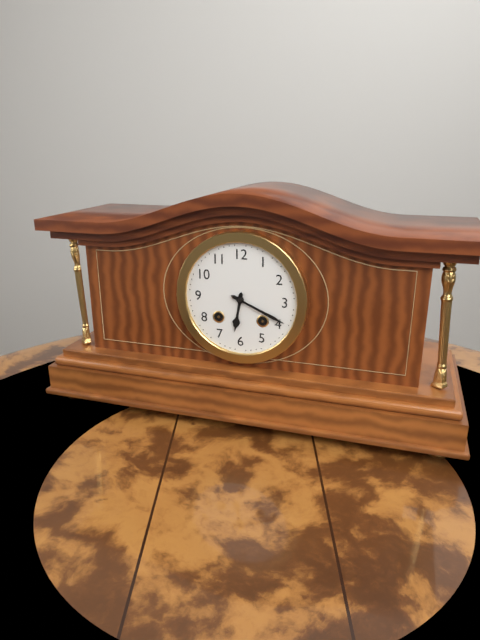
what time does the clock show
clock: 6:19
